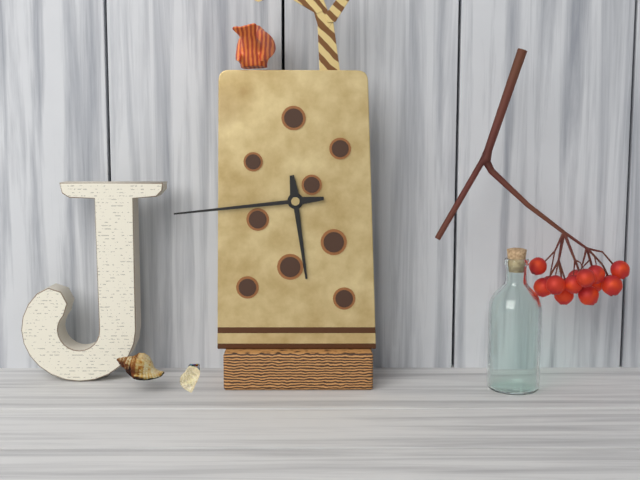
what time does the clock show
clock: 5:44
